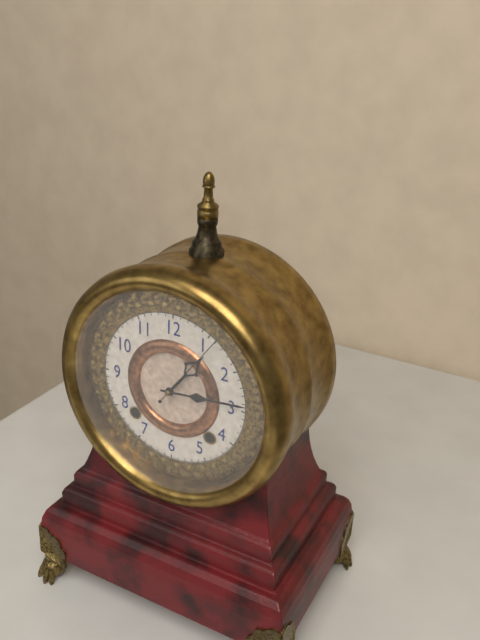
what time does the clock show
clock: 1:14:06
